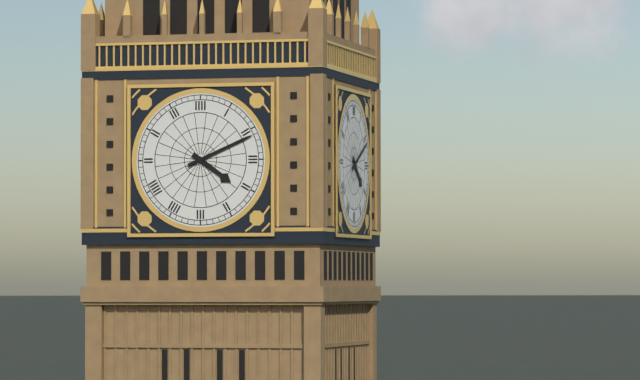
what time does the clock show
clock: 4:11
